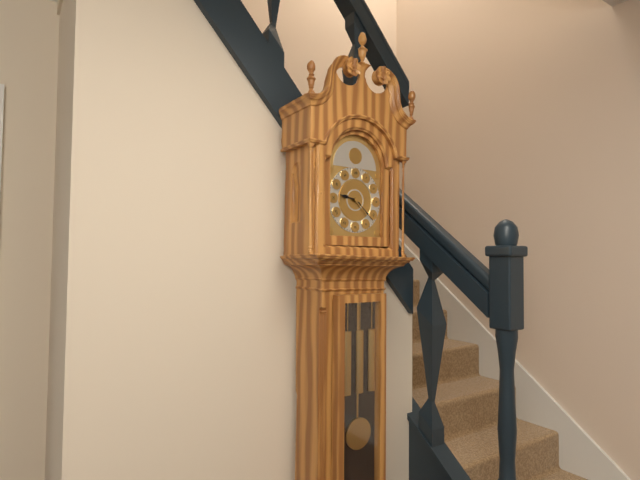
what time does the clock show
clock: 9:22
